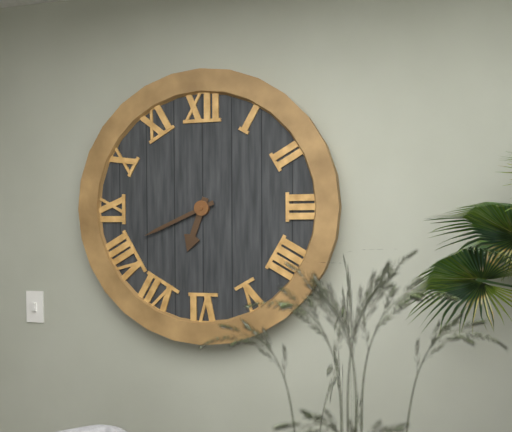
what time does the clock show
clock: 6:41
